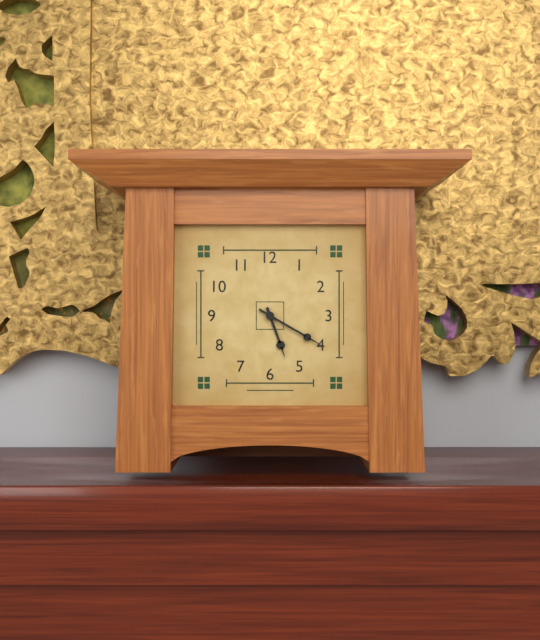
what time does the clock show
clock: 5:20
